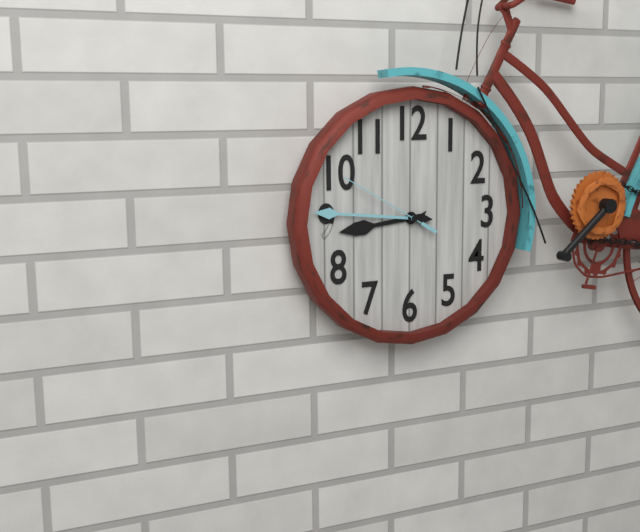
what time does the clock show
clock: 8:46:50
